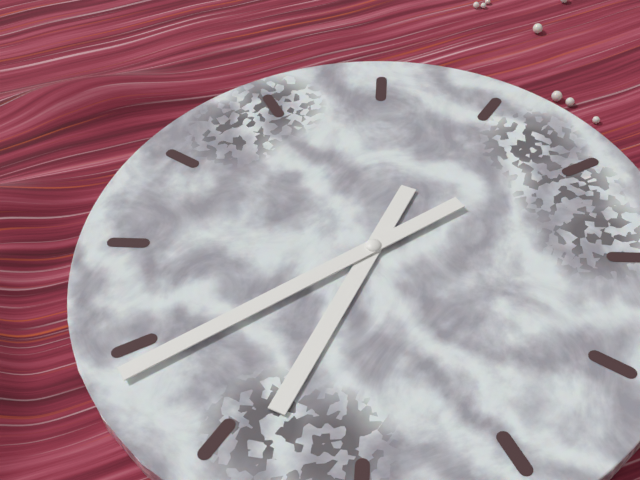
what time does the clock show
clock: 7:44
